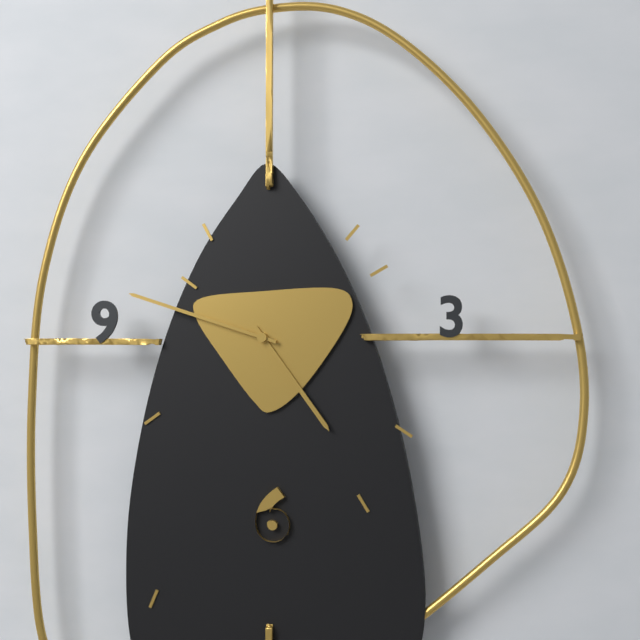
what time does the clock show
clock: 4:48
